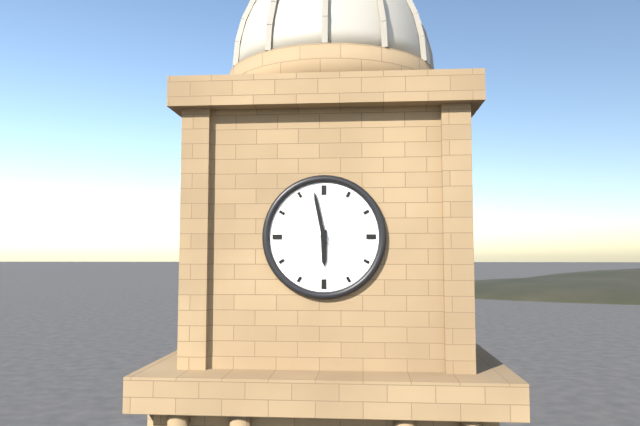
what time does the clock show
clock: 5:58
